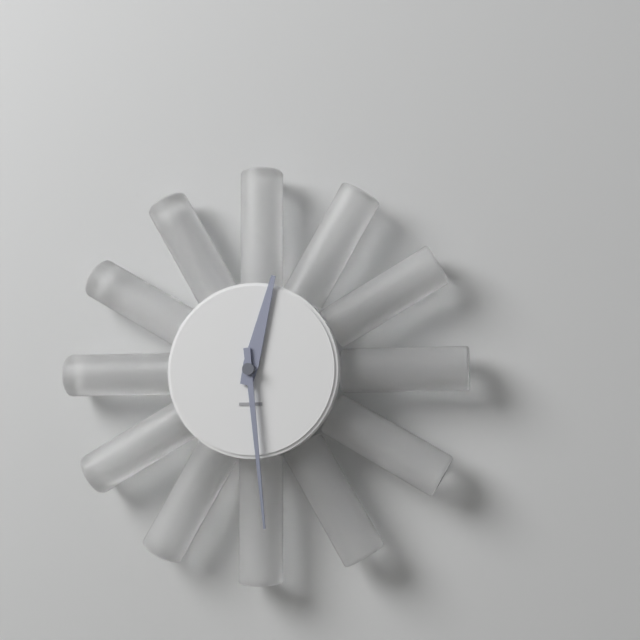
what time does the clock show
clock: 12:29
